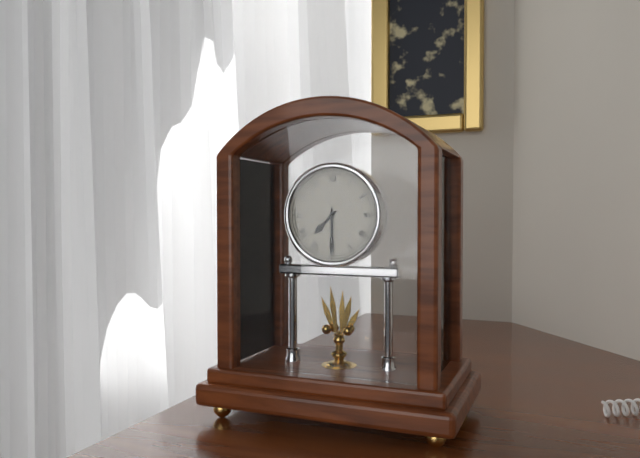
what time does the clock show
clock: 7:30
